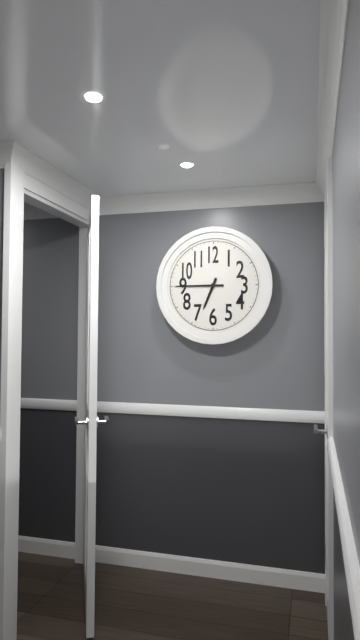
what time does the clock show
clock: 6:45
